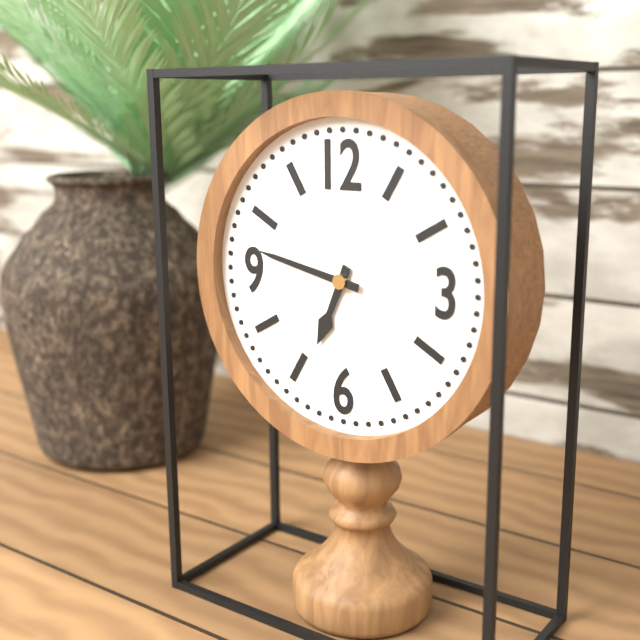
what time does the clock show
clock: 6:47
